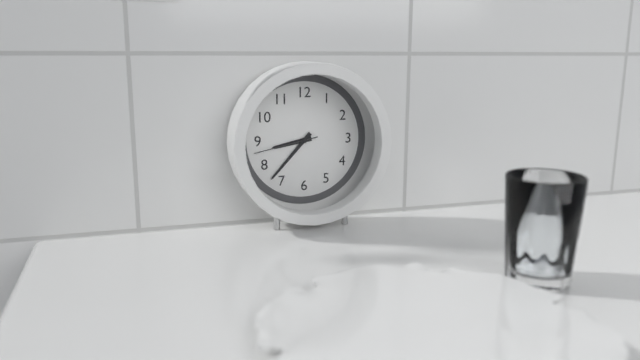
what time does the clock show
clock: 8:37:43
